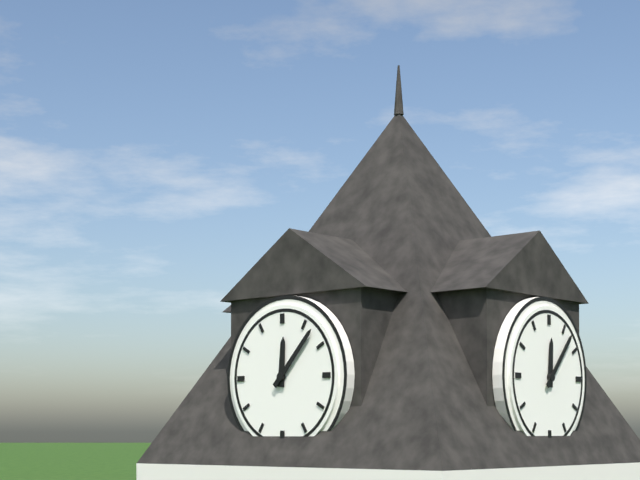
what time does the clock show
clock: 12:07
